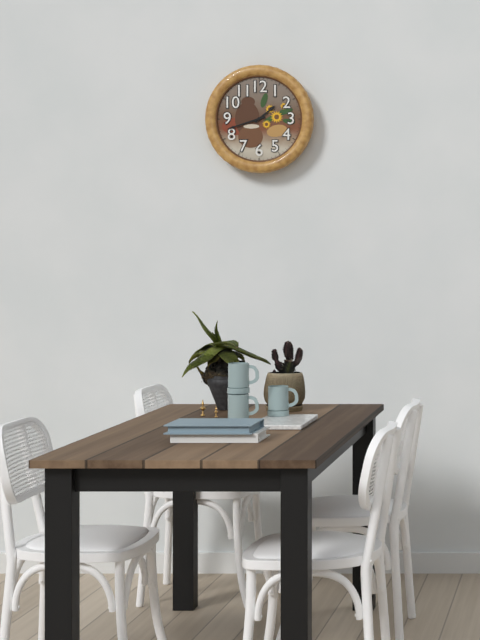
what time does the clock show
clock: 1:42
